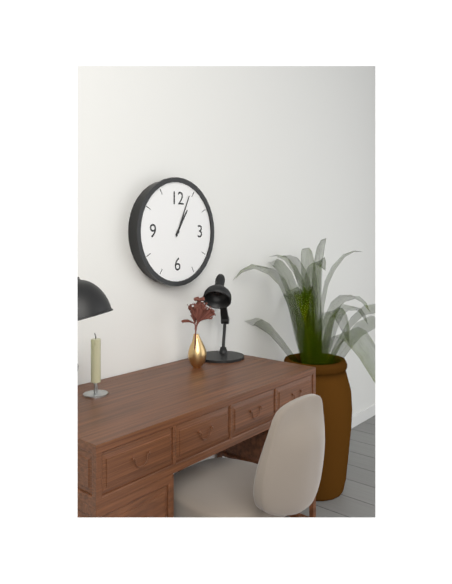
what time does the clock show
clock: 1:04
